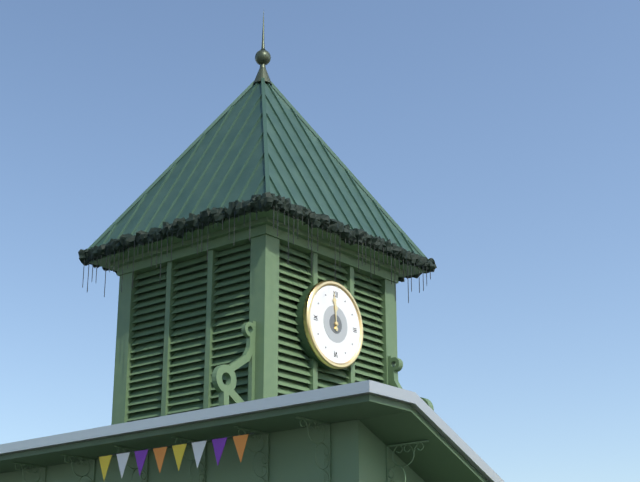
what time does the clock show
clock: 11:59
